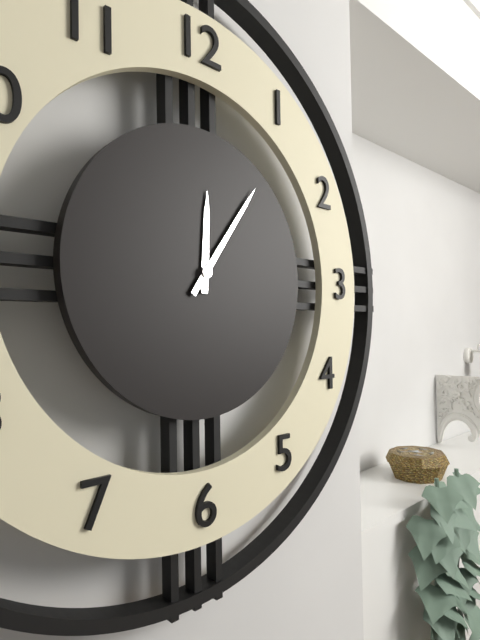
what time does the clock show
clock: 12:06
